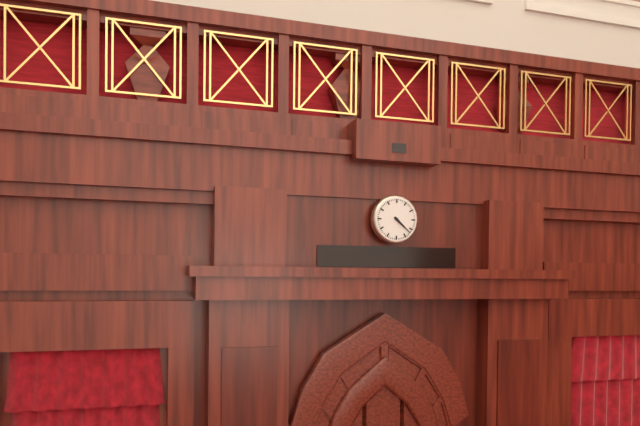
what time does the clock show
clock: 4:22
